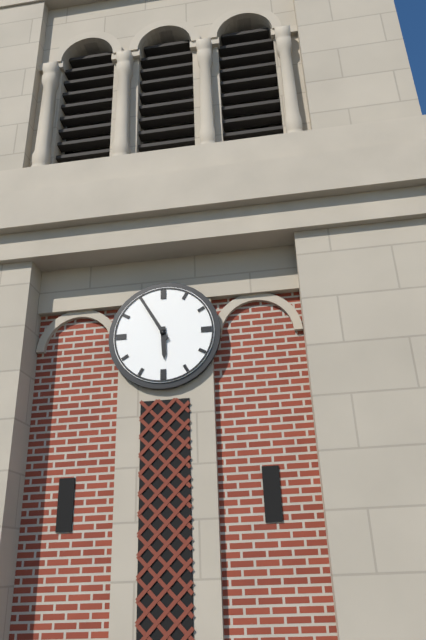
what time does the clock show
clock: 5:55
